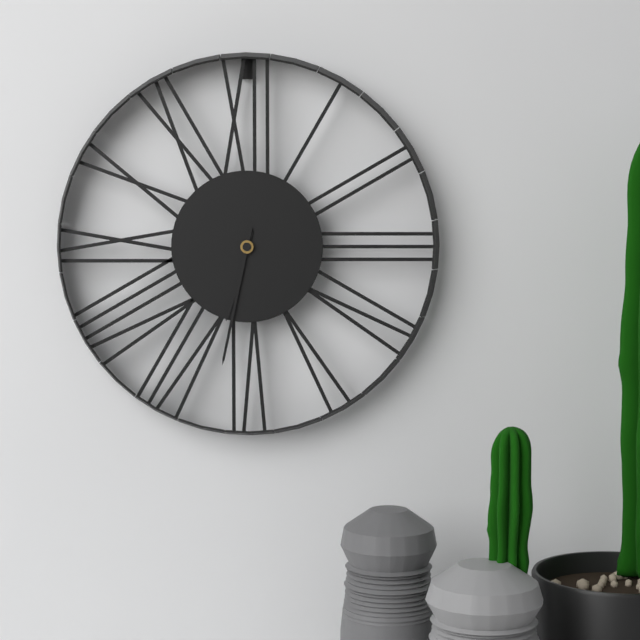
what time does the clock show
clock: 6:32
